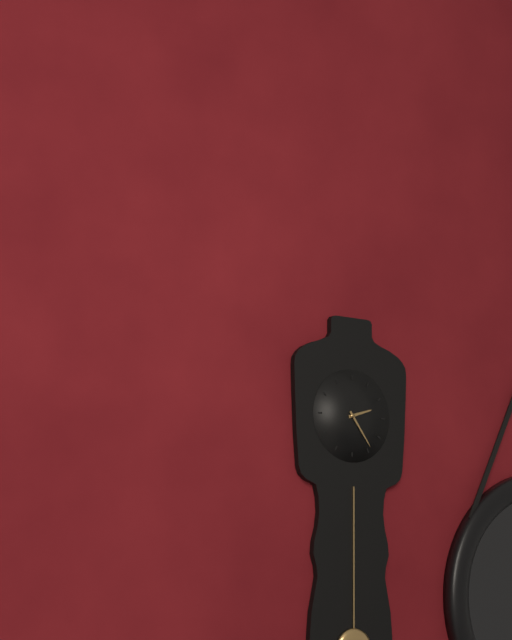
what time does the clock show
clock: 2:24
